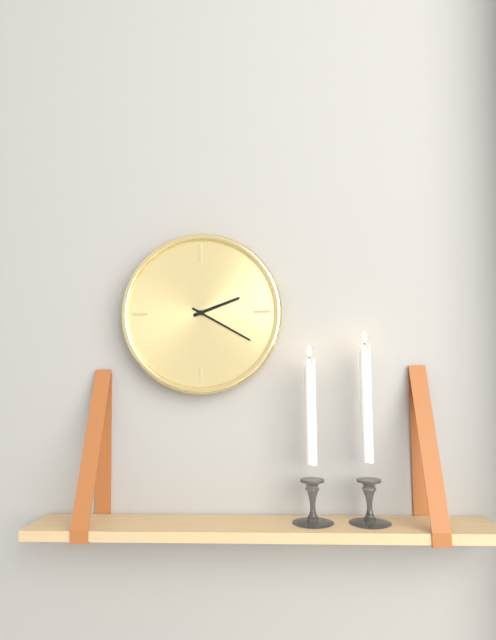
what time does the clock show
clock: 2:20
